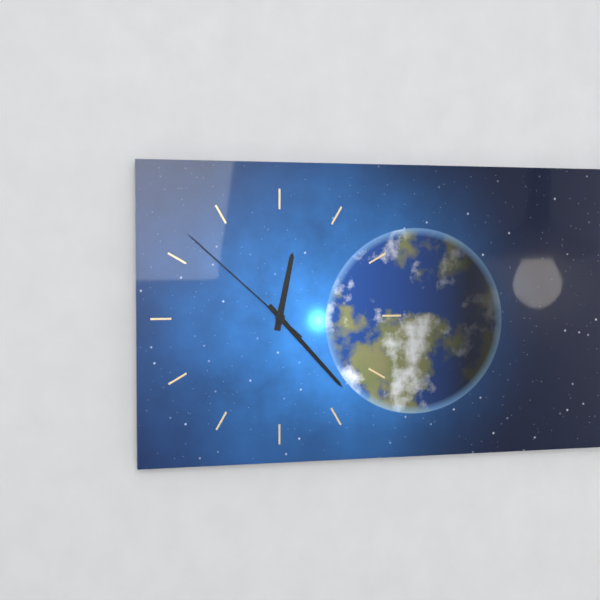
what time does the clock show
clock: 12:23:52
